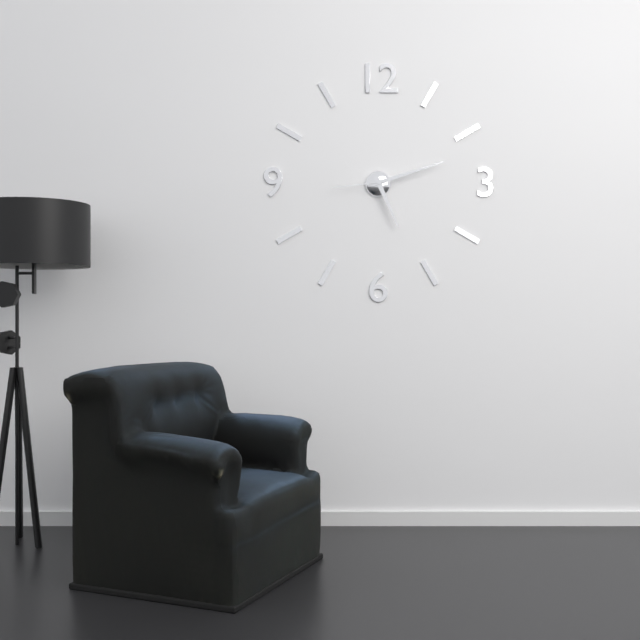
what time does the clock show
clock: 5:12:44
